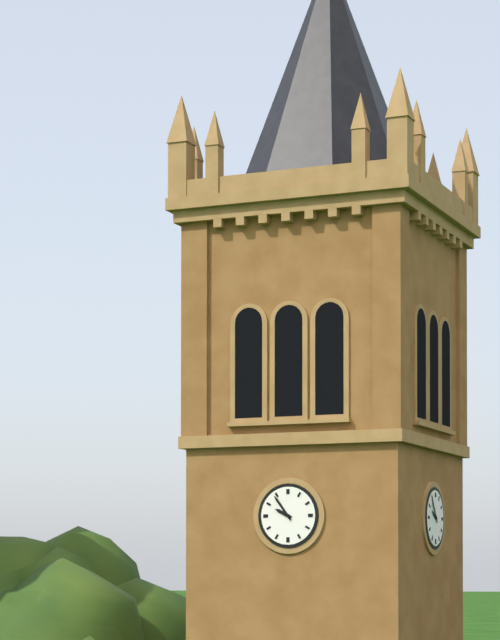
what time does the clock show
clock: 9:54
